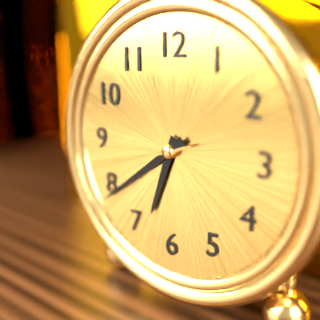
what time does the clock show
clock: 6:39:42
